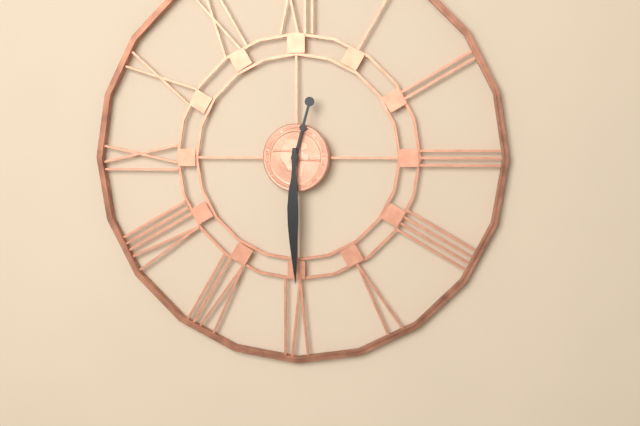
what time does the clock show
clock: 12:30
